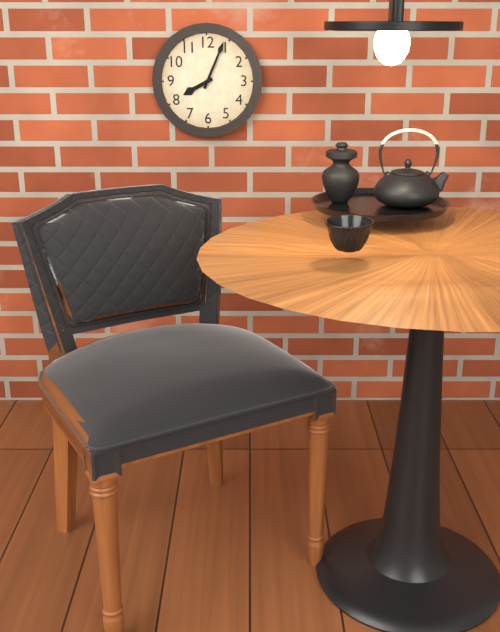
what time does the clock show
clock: 8:04
